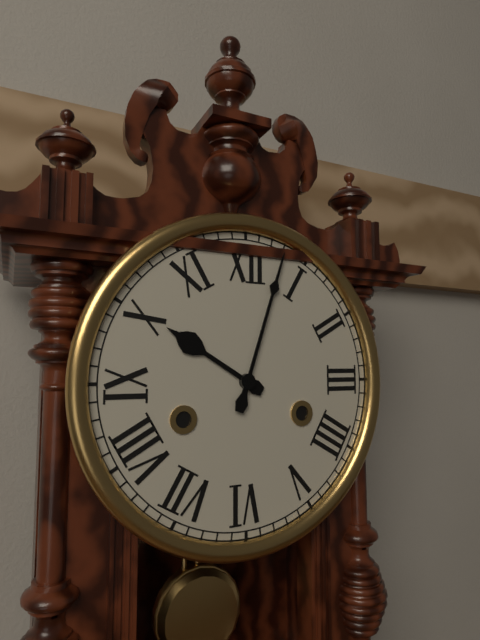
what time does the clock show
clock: 10:03
